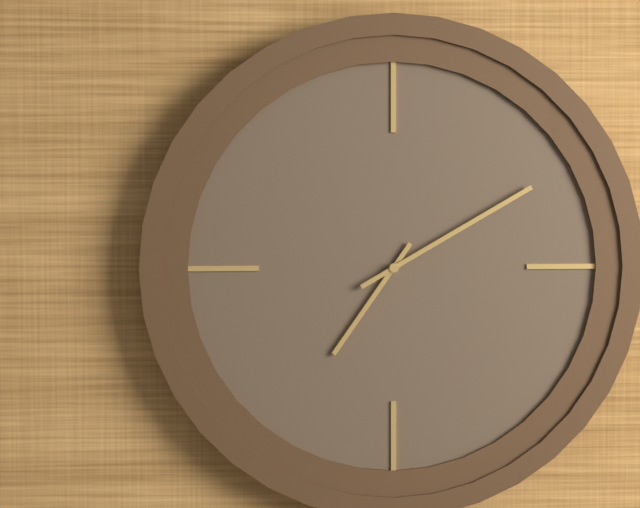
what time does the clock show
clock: 7:10
